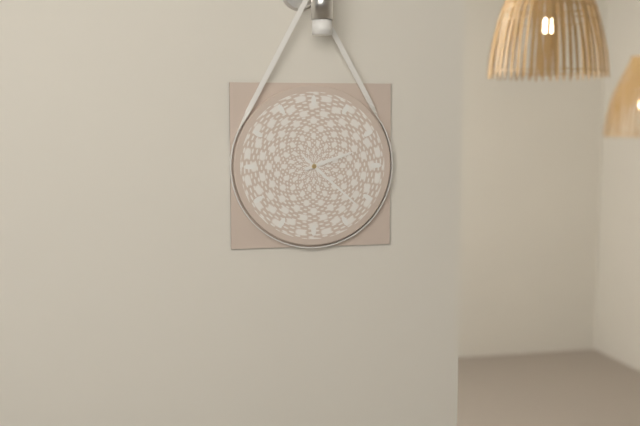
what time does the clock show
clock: 2:22
